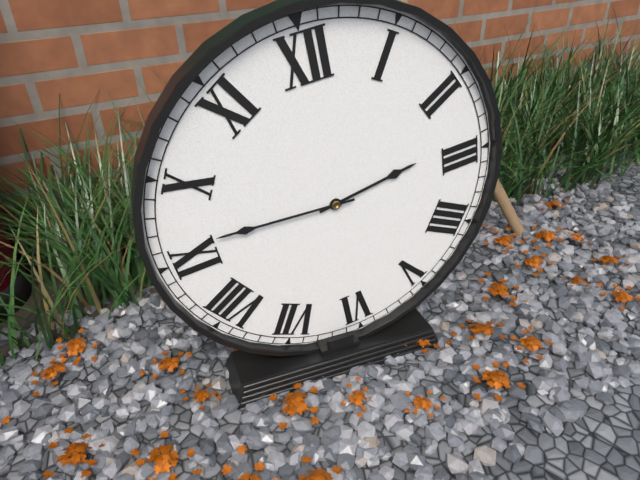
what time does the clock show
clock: 2:46
